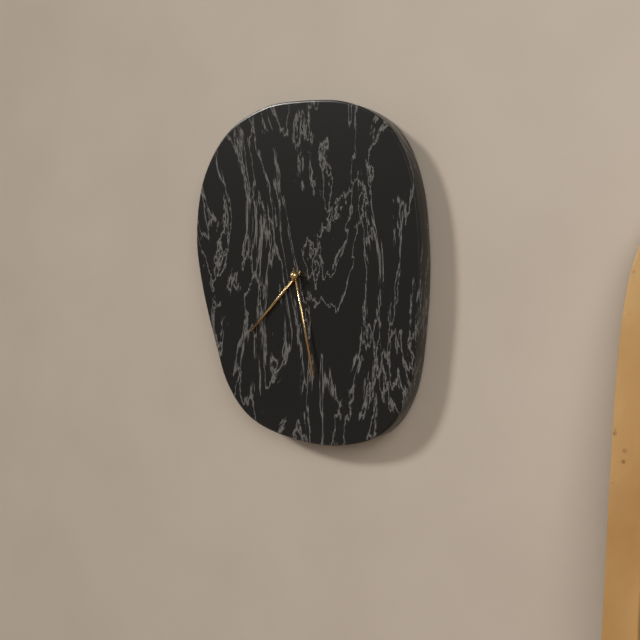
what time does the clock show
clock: 7:28
